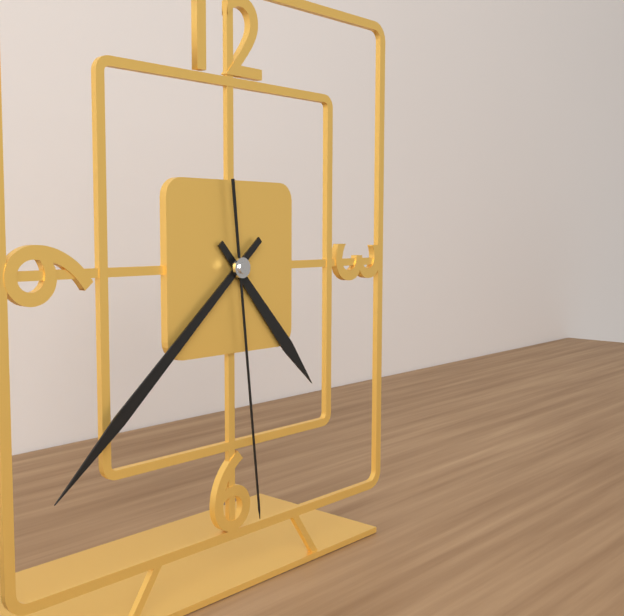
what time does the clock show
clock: 4:38:29
